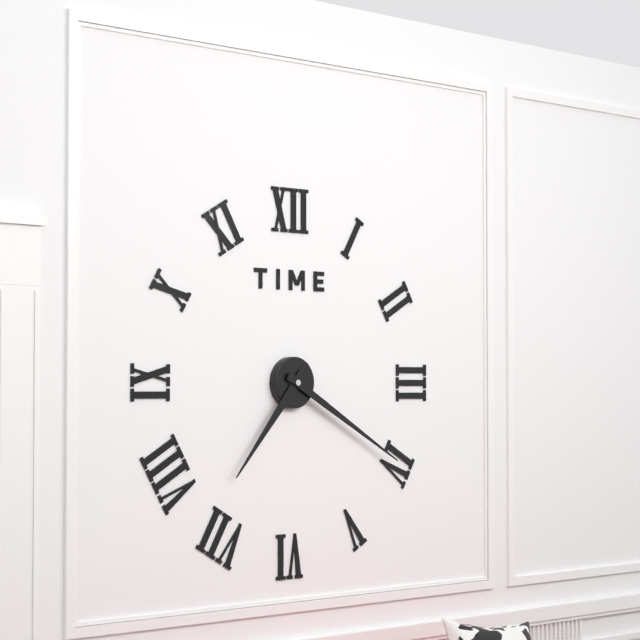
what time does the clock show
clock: 7:20
